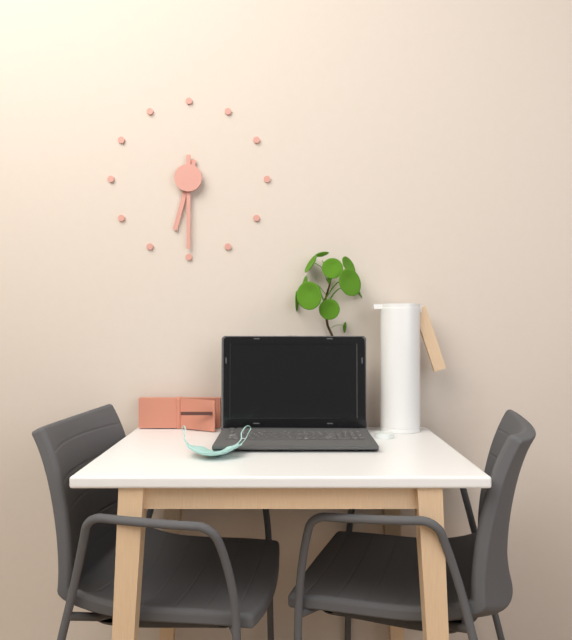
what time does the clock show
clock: 6:30
